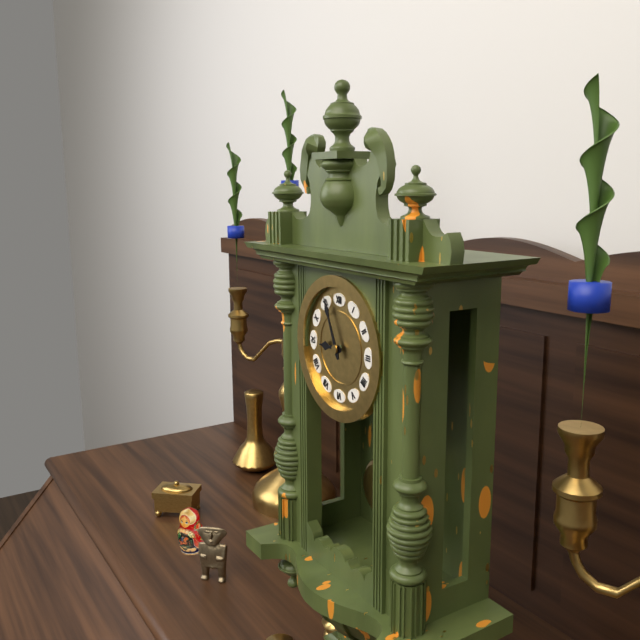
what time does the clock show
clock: 8:56
